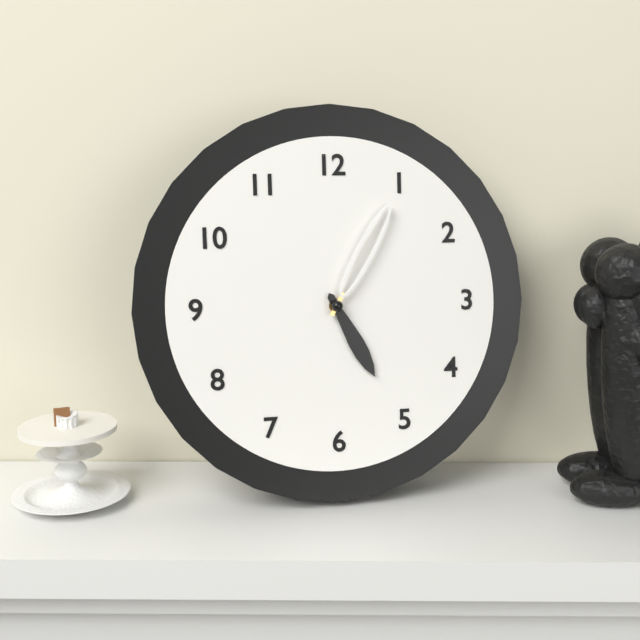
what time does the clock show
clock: 5:05
